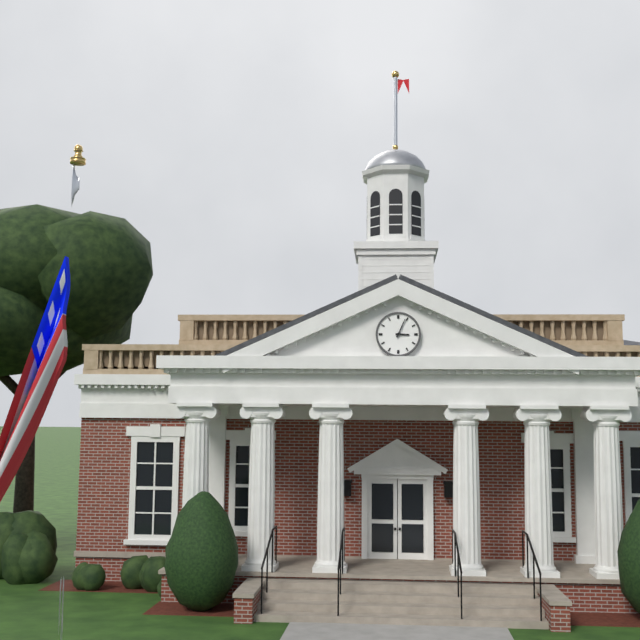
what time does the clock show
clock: 3:04
